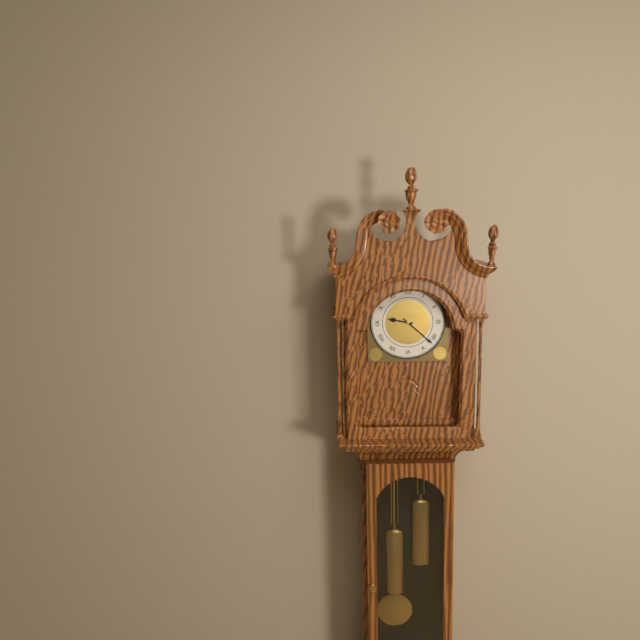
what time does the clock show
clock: 9:22
